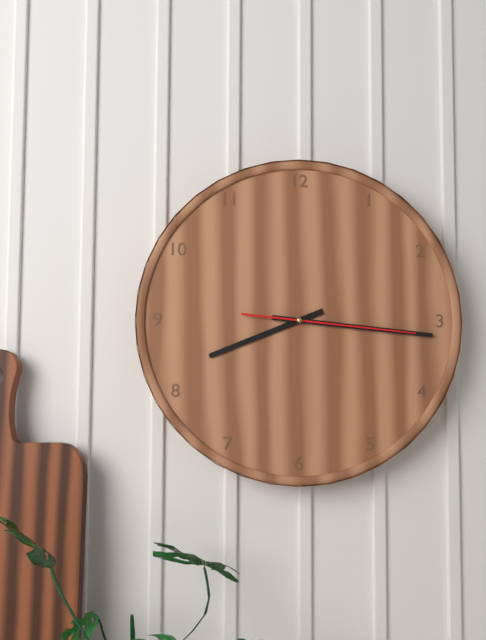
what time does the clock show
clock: 8:16:16
